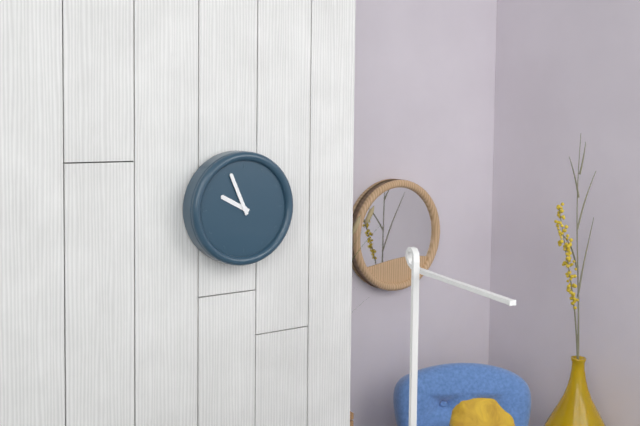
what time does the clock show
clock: 9:56
